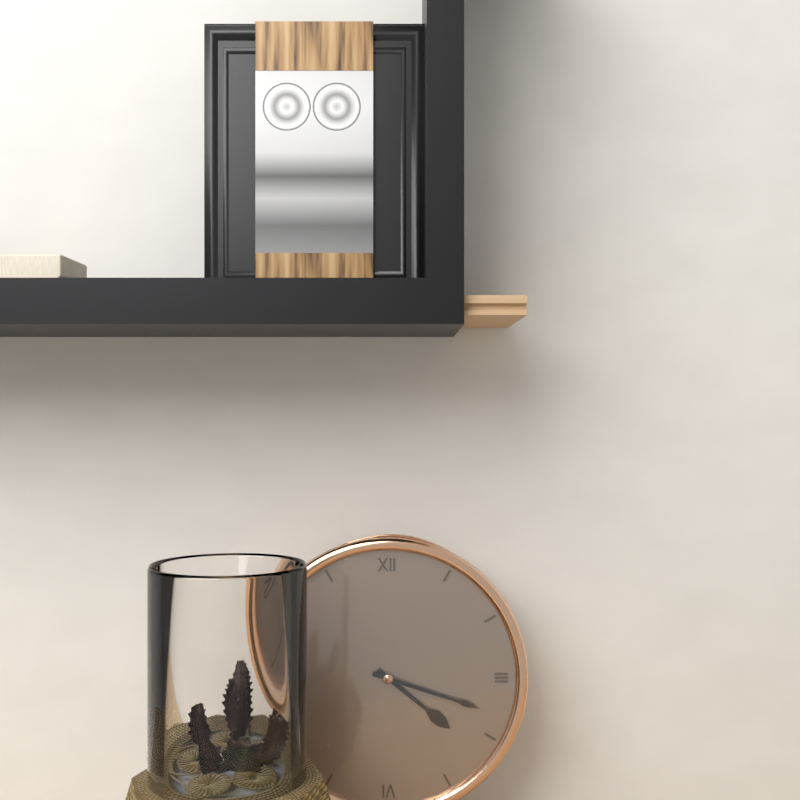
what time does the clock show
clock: 4:18
